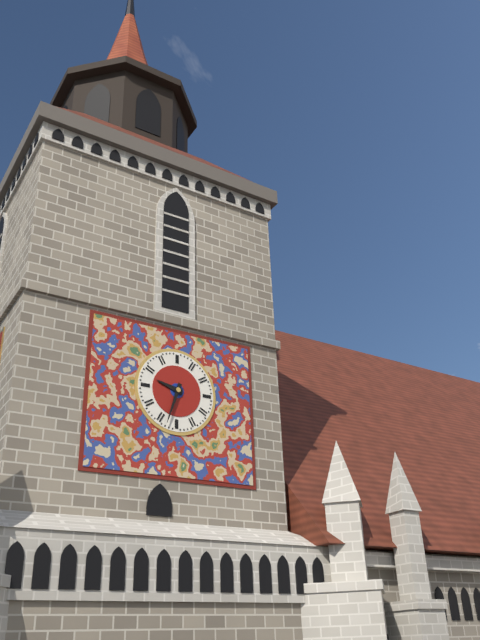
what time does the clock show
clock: 9:33
